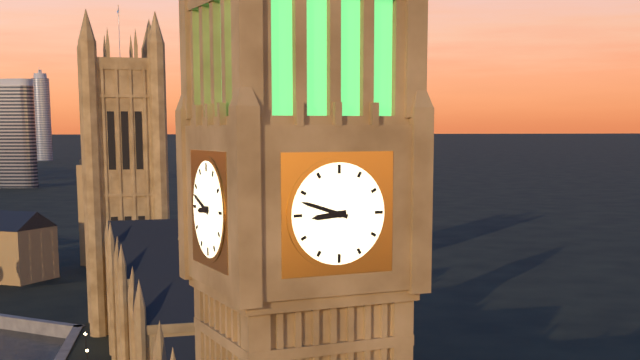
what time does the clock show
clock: 8:48
